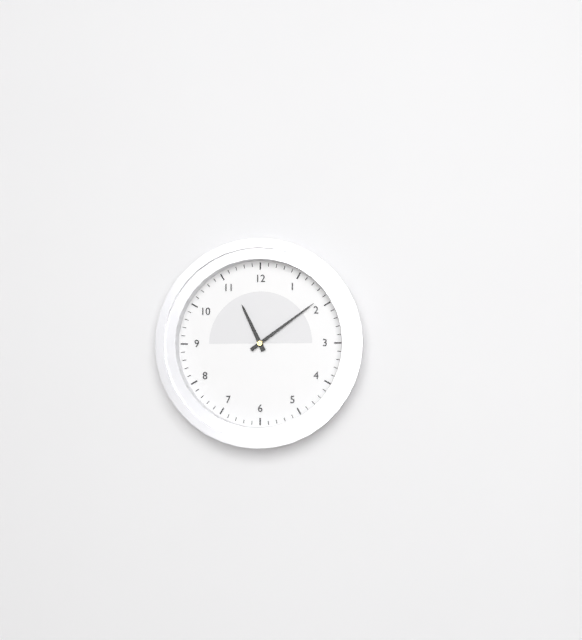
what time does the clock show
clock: 11:09
